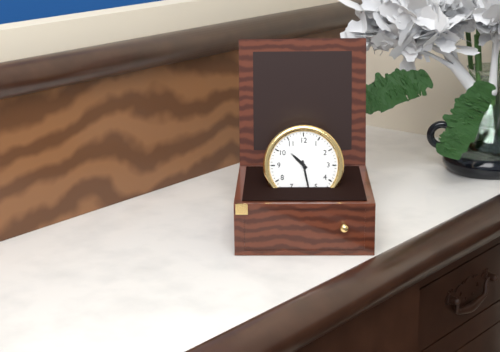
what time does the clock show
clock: 10:28
